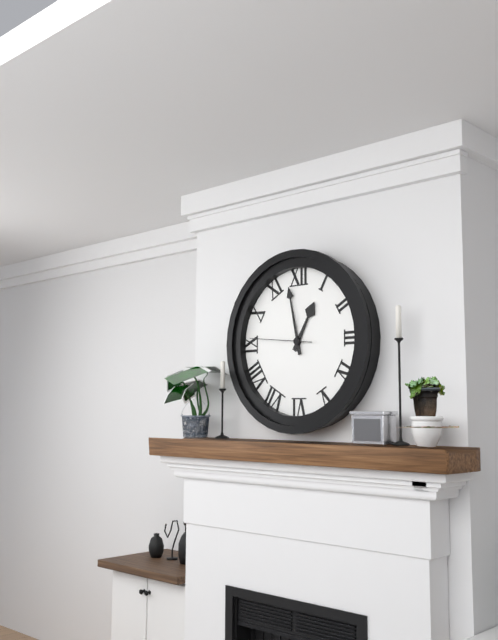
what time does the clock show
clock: 12:58:46
